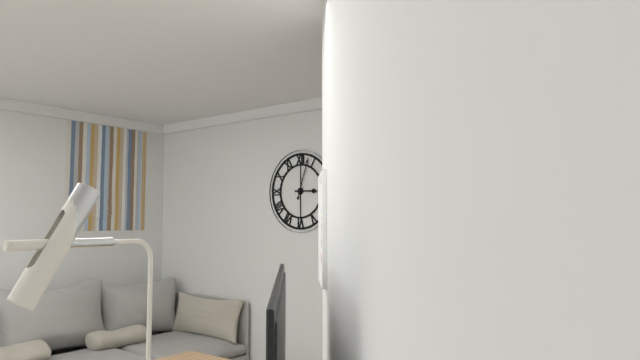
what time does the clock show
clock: 3:03
